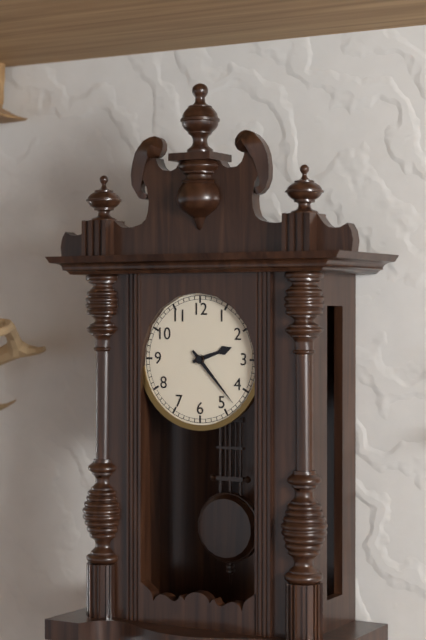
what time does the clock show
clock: 2:23
